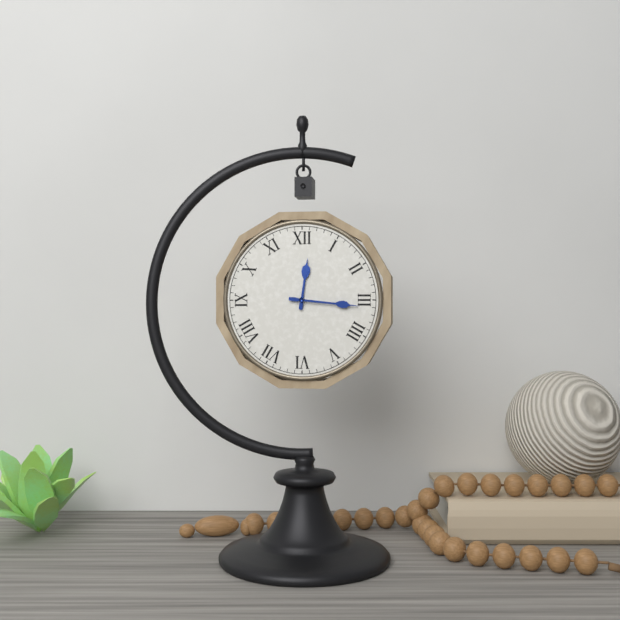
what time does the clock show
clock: 12:16
